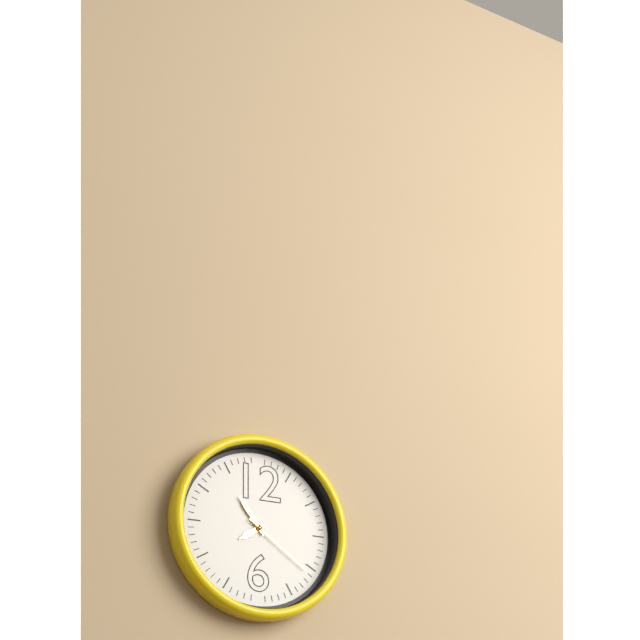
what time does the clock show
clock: 7:54:21
